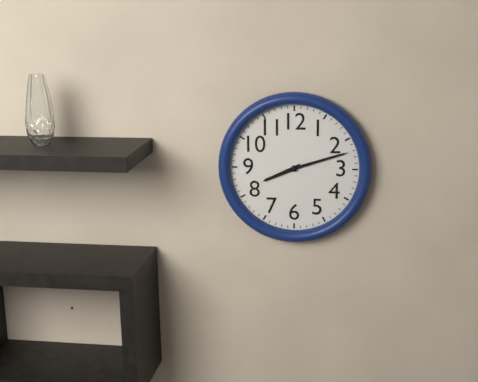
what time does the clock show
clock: 8:12
